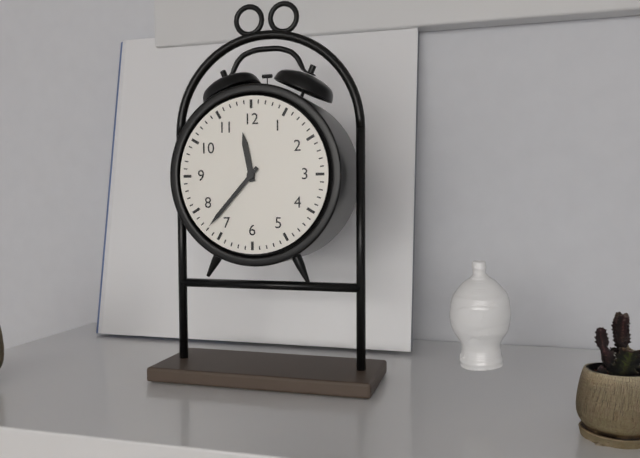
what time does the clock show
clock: 11:37
